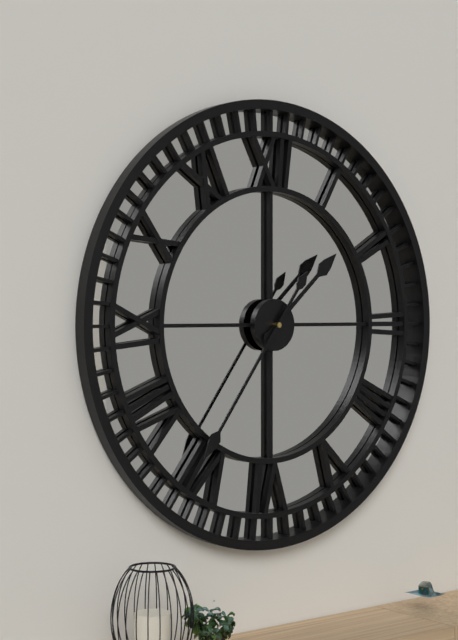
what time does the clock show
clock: 1:36
